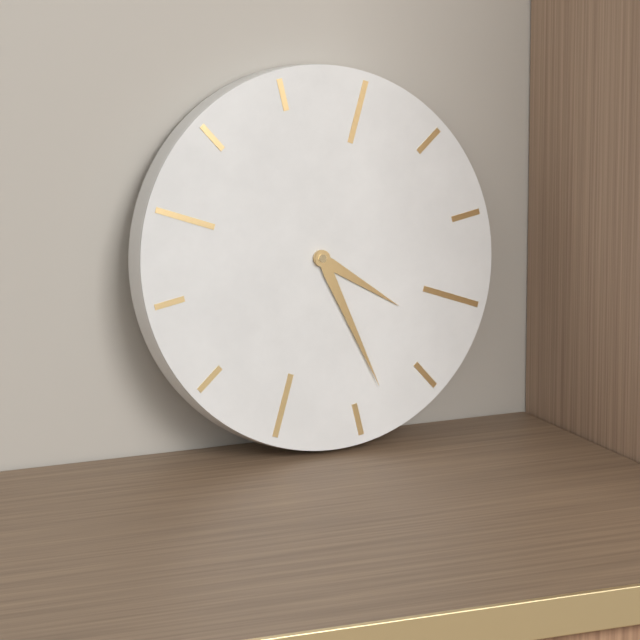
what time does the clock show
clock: 4:28
